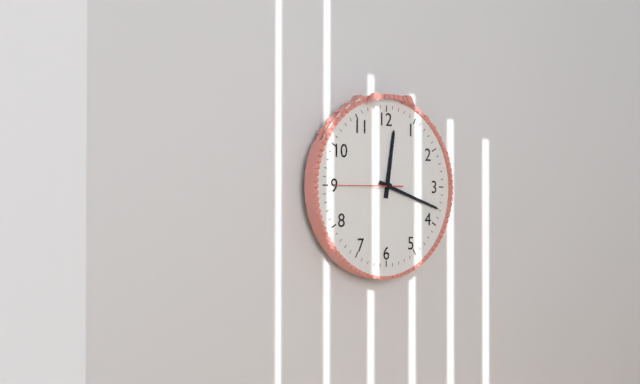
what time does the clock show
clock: 12:18:45
